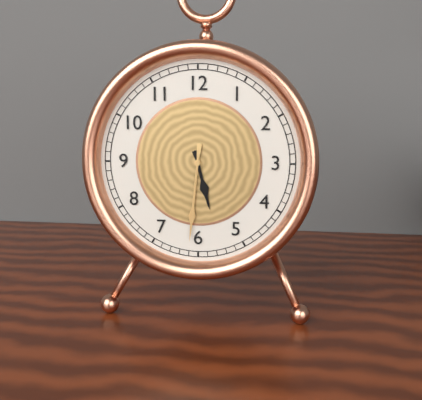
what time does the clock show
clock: 5:31
